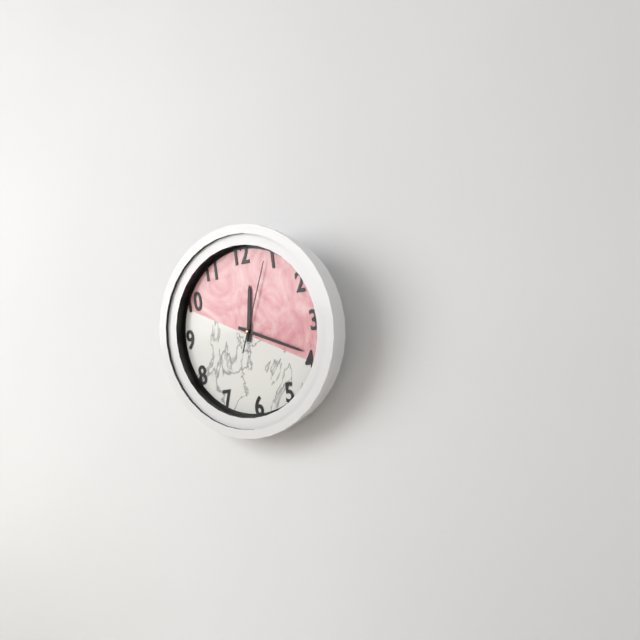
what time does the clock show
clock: 12:19:04
